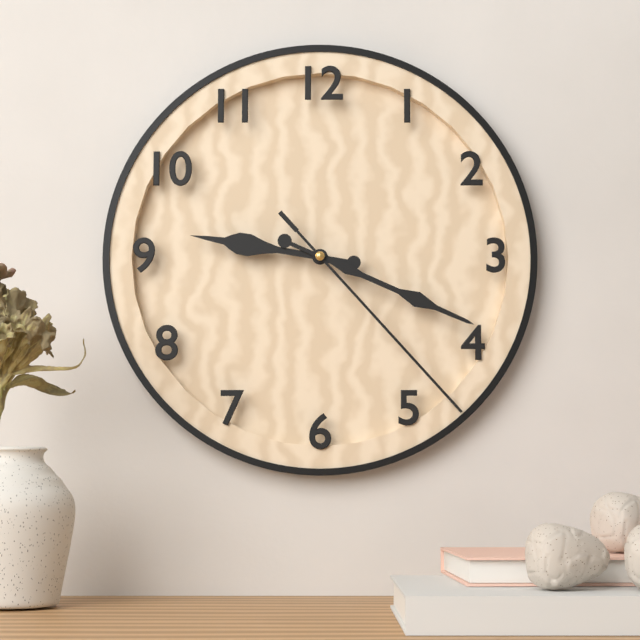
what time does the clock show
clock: 9:19:23
